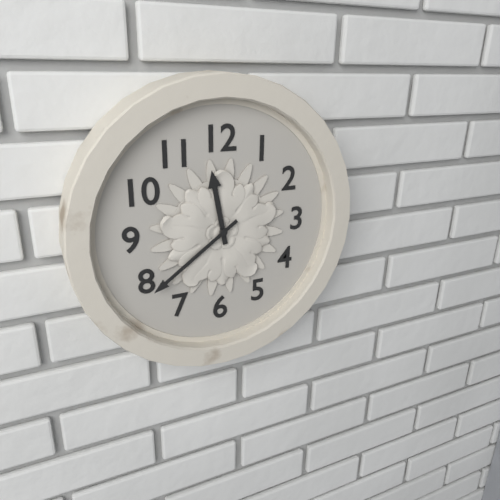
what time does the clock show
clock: 11:39
